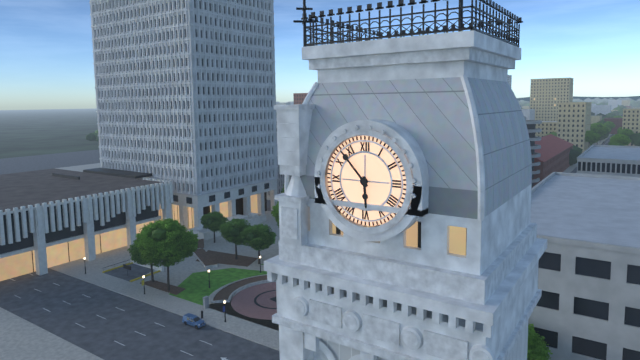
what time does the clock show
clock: 5:53
